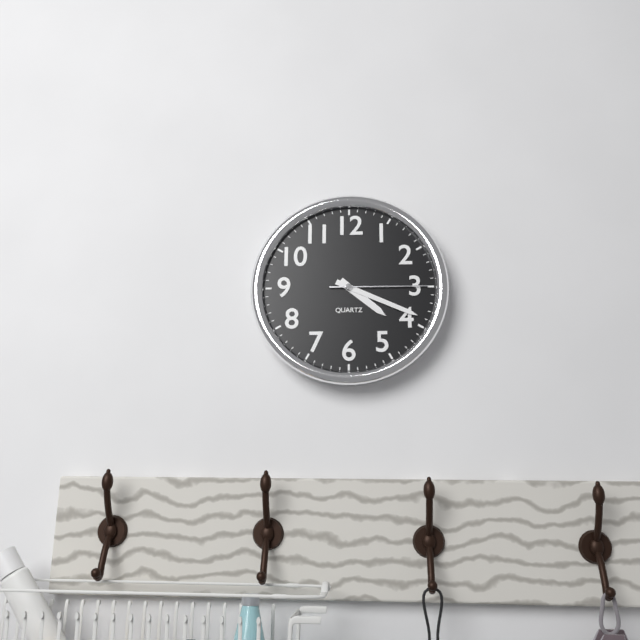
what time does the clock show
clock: 4:19:15
